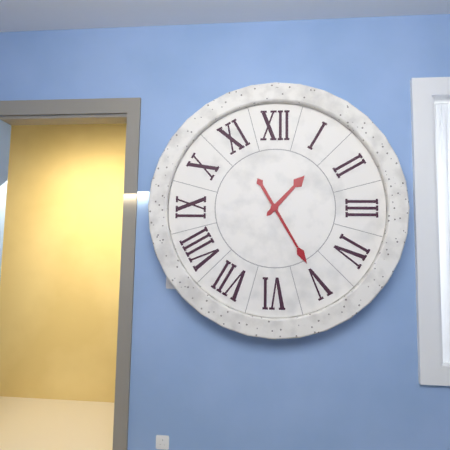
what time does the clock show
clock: 1:25
